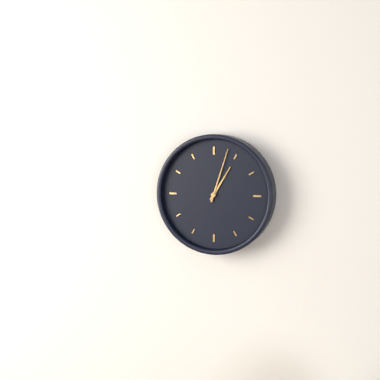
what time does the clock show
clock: 1:03
